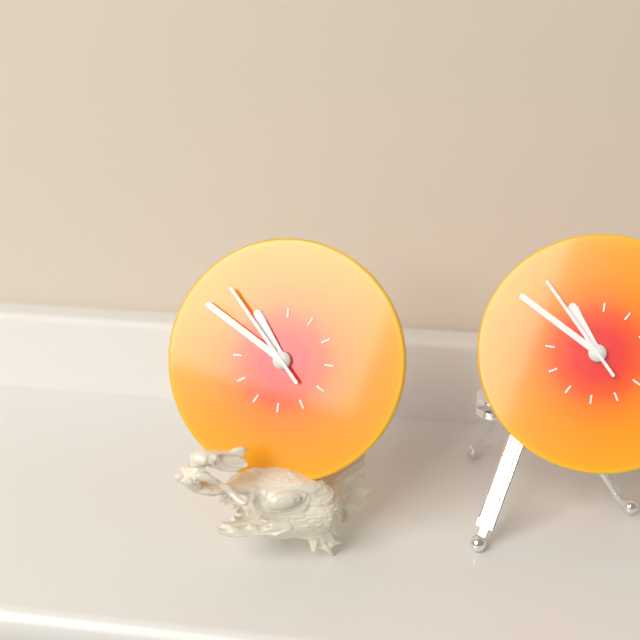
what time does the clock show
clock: 10:50:53
